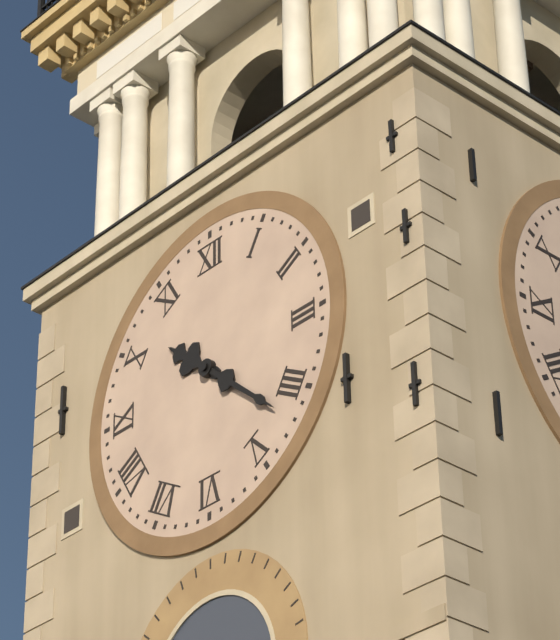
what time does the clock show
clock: 10:22
